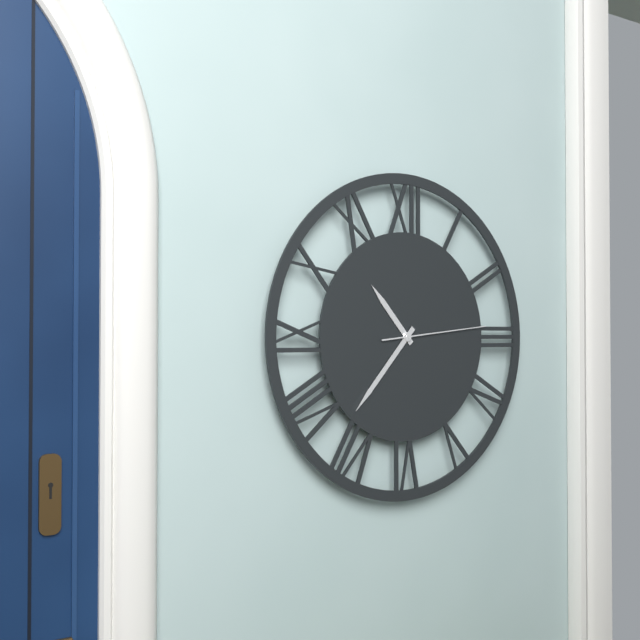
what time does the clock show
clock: 10:37:14
